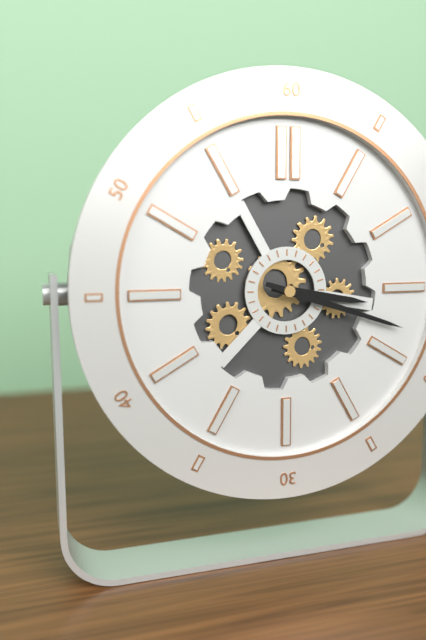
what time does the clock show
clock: 3:18
